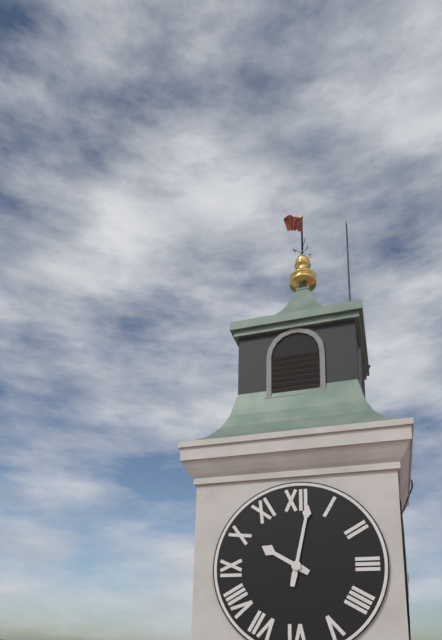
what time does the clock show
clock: 10:02
